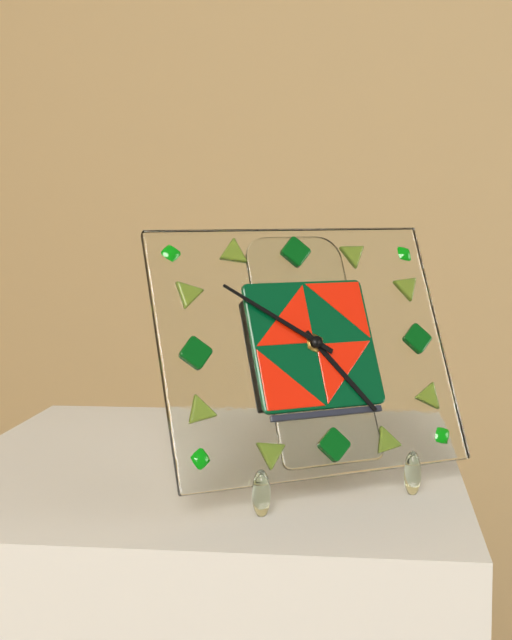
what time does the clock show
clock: 4:51
